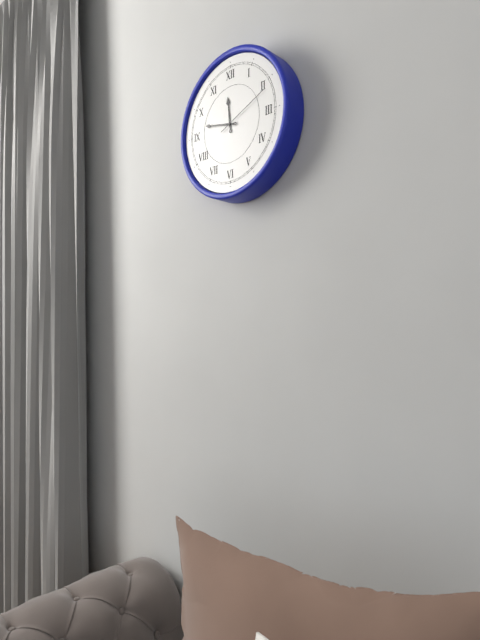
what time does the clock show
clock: 11:47:11
